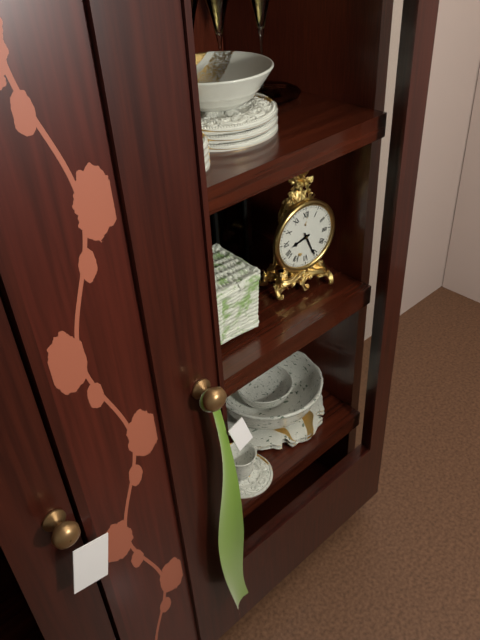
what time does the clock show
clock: 8:26
